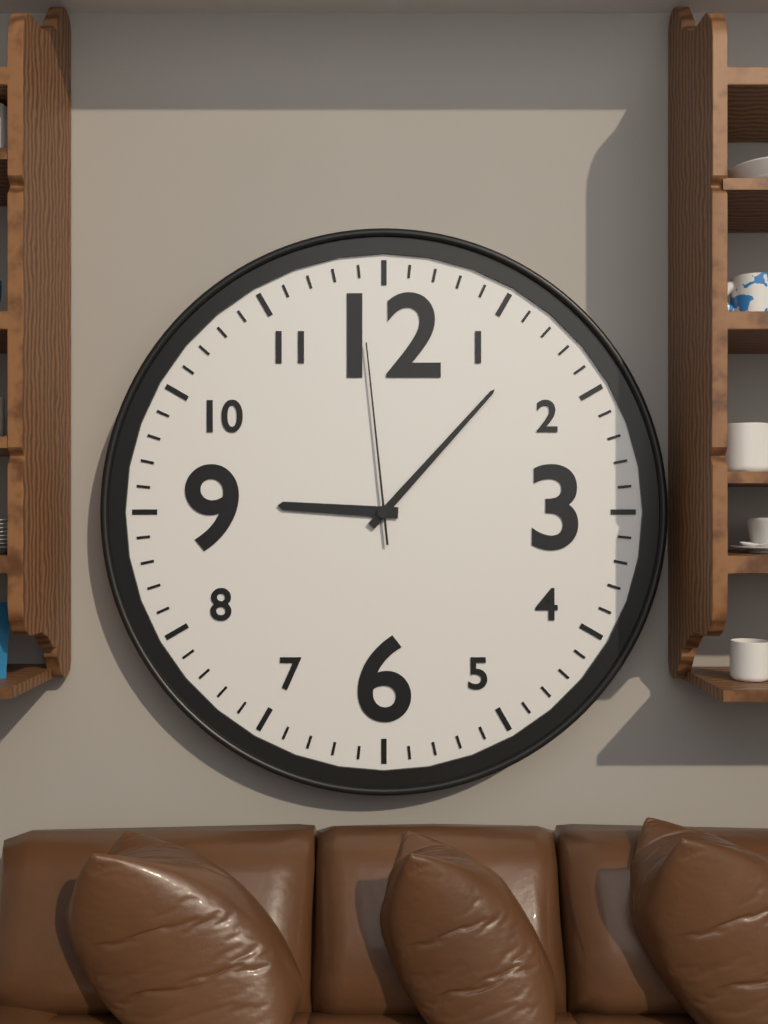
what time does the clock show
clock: 9:07:59
